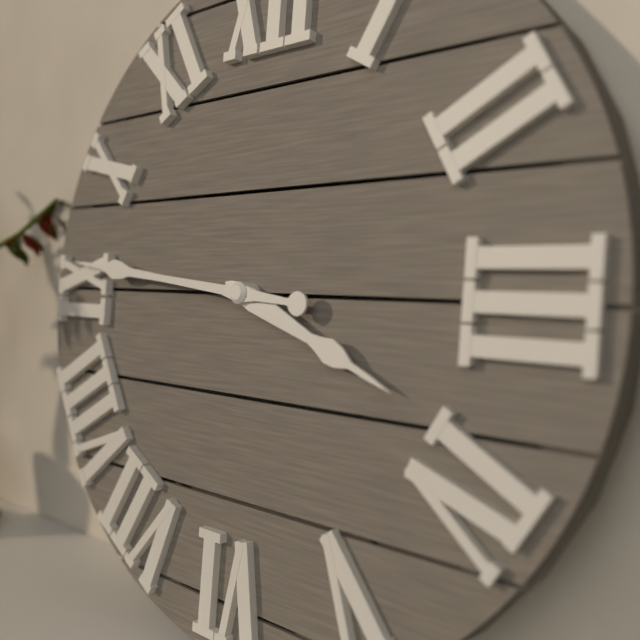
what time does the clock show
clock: 3:46
